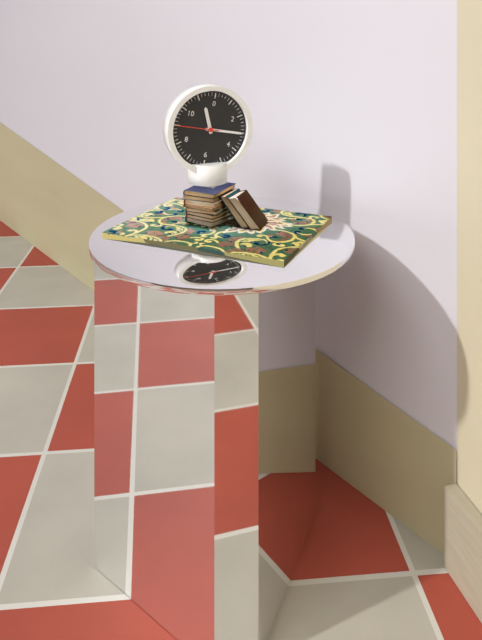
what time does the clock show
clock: 11:15
